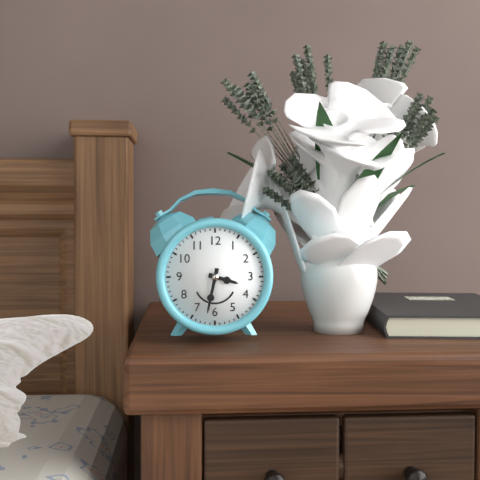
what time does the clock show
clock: 3:32
